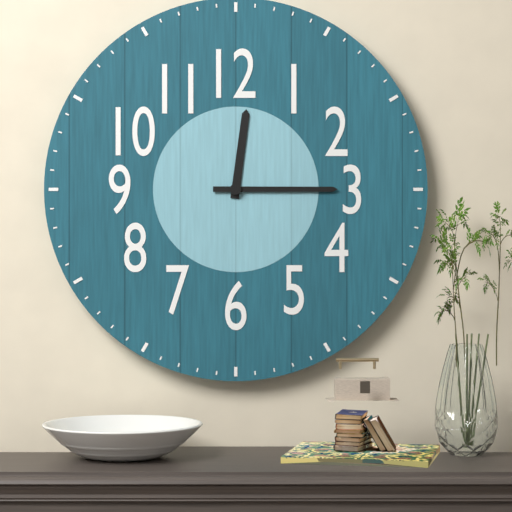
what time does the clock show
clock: 12:15
